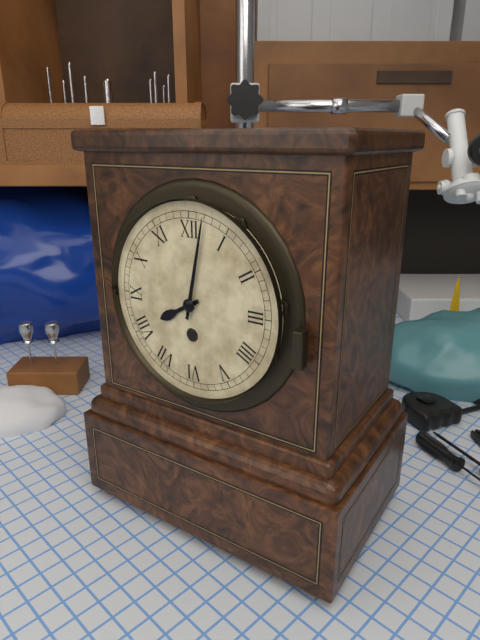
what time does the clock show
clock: 8:02
